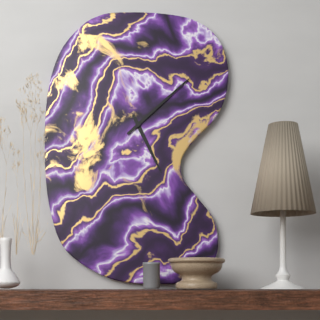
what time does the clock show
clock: 5:08
